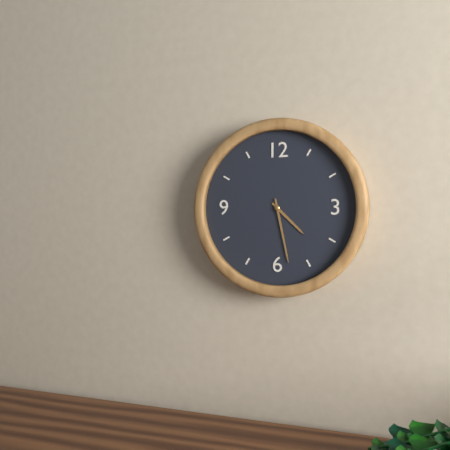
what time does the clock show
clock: 4:28
